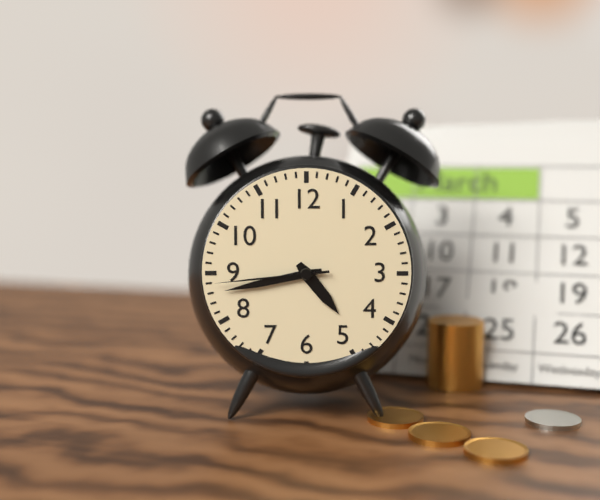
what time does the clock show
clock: 4:43:44
